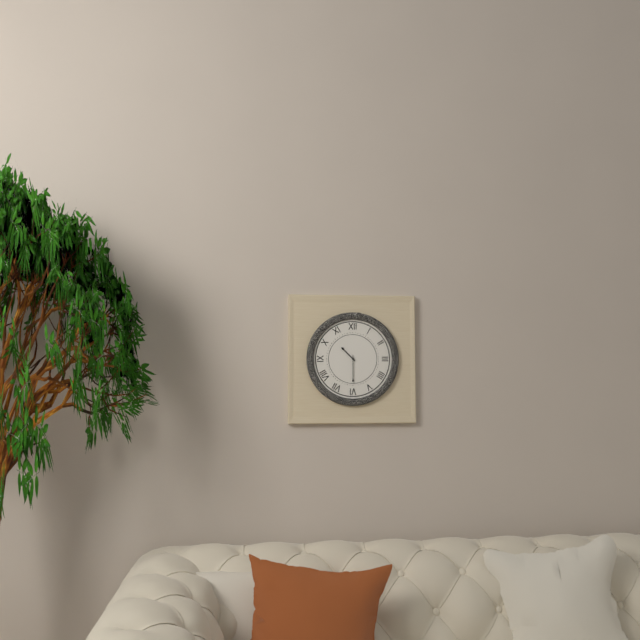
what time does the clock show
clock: 10:30
